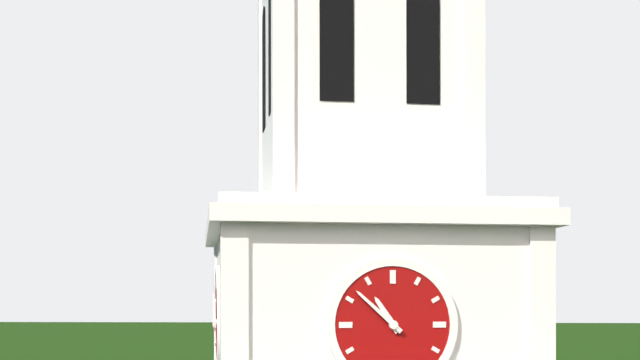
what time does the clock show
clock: 10:52
